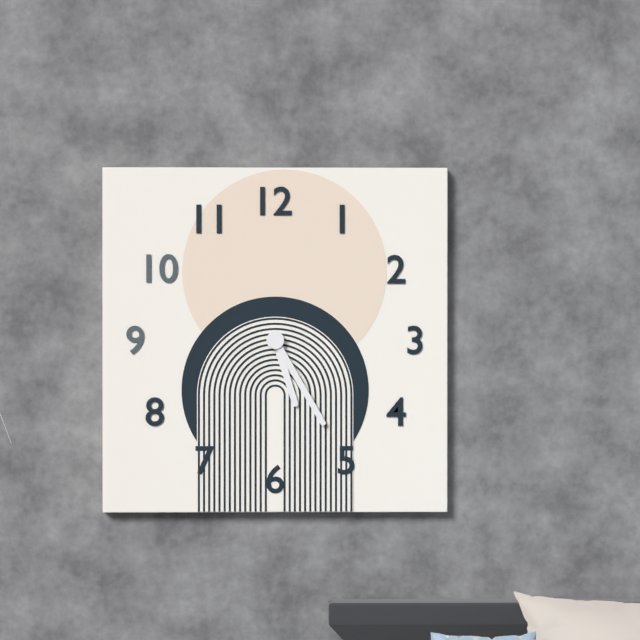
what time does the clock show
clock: 5:25
